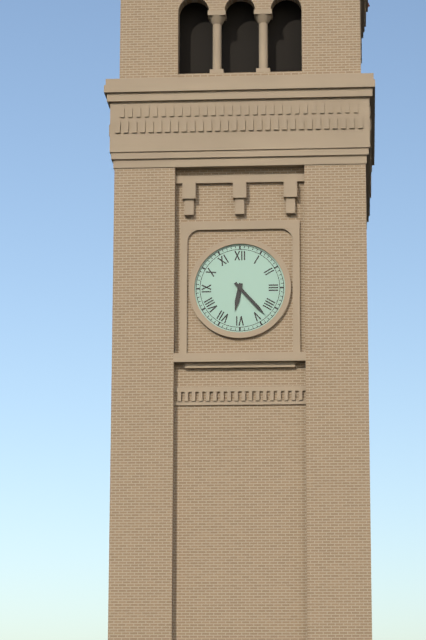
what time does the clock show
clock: 6:23
